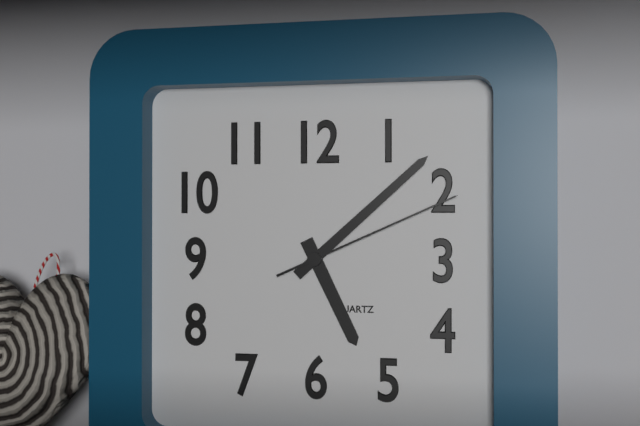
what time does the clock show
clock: 5:08:11
